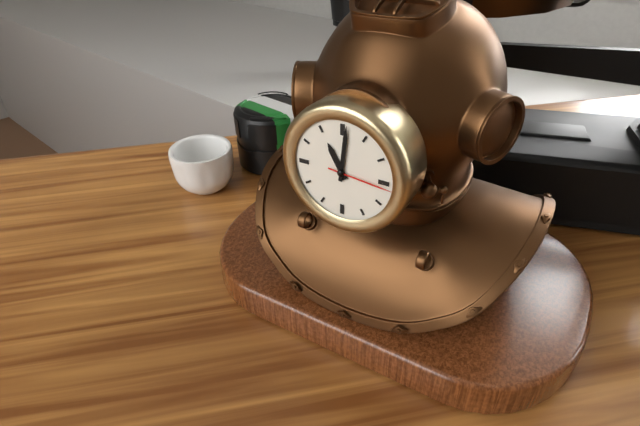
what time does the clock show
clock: 11:01:16
